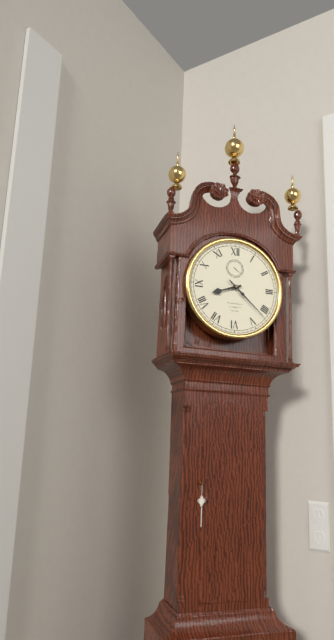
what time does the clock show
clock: 8:22
